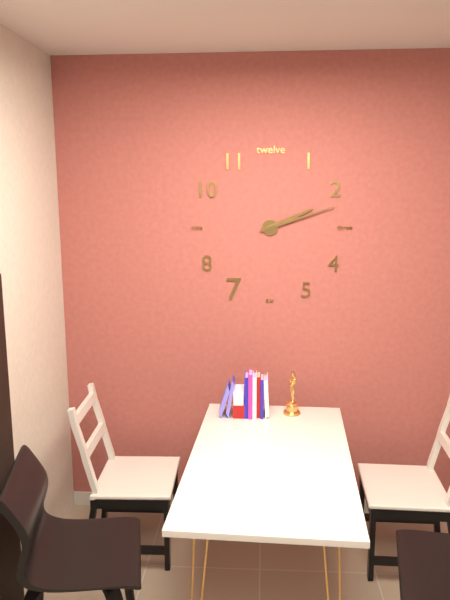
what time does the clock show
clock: 2:12
